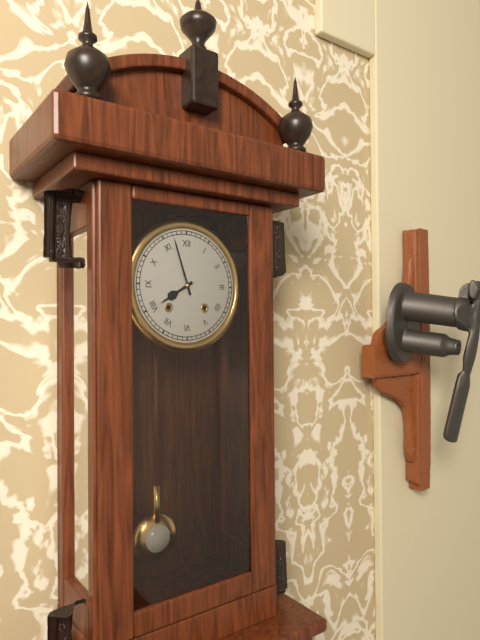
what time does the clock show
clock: 7:57
